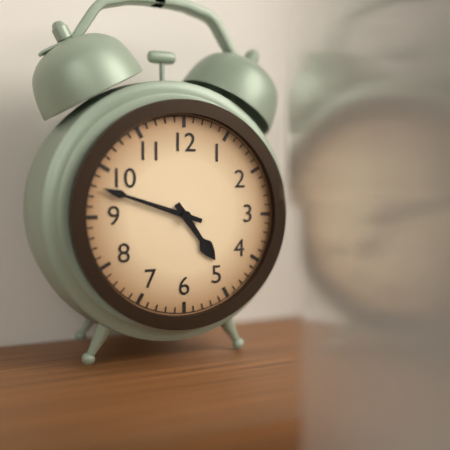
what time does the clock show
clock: 4:48
